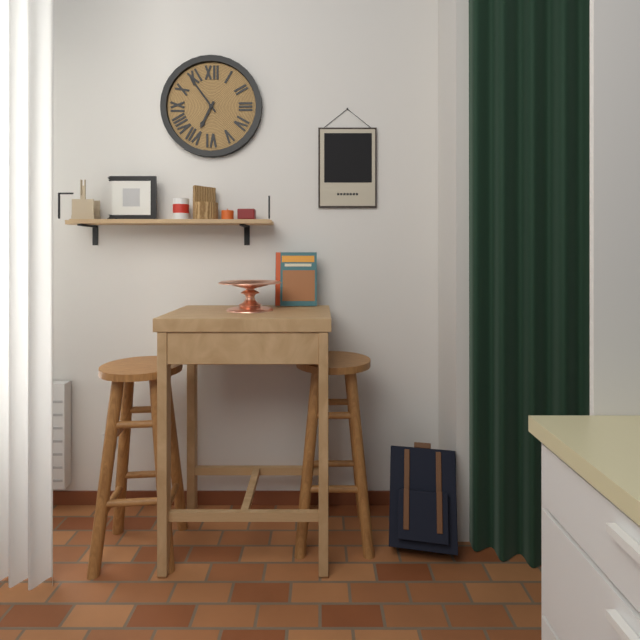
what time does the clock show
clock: 6:54
